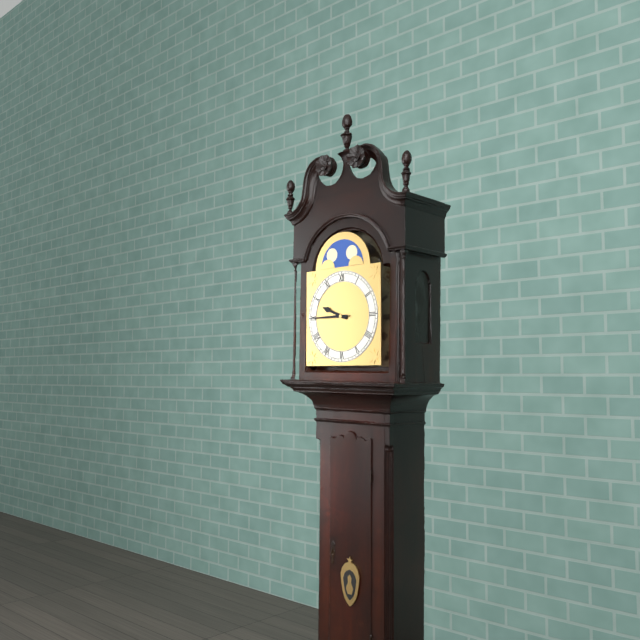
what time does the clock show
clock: 9:45
